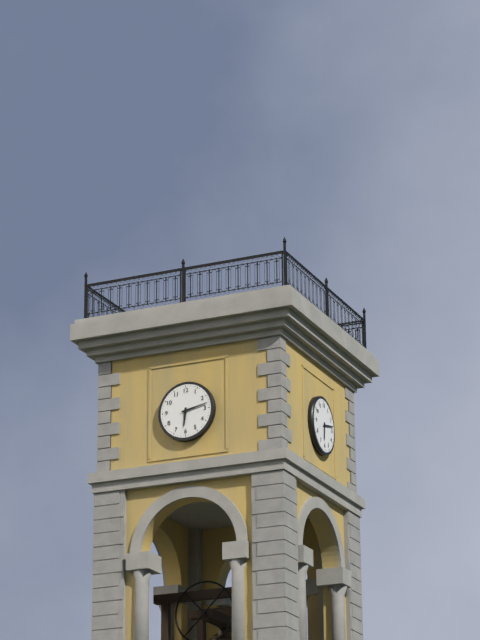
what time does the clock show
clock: 6:13
